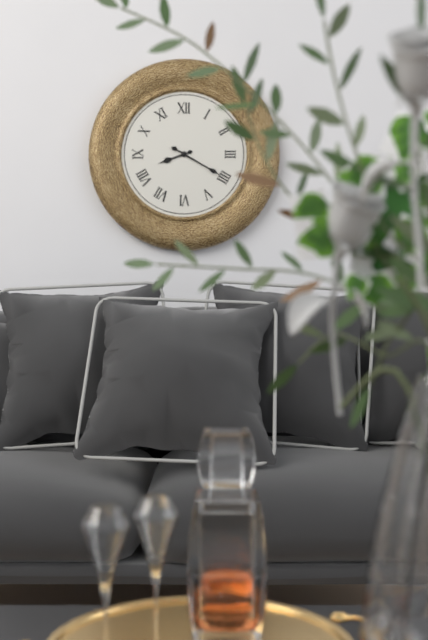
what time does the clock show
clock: 8:20
